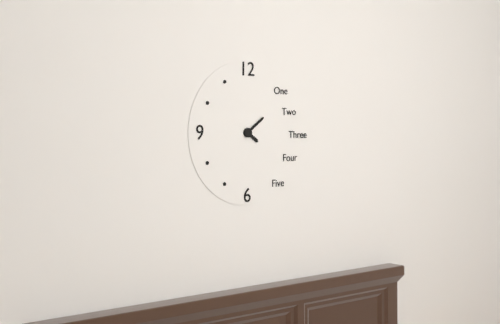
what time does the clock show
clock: 4:09
